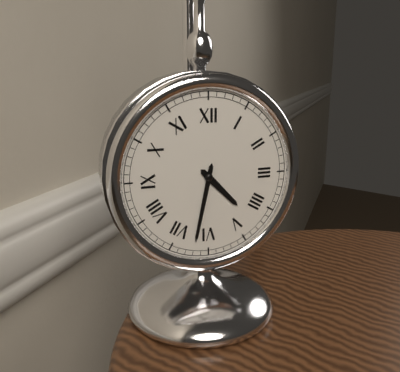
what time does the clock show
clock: 4:32
